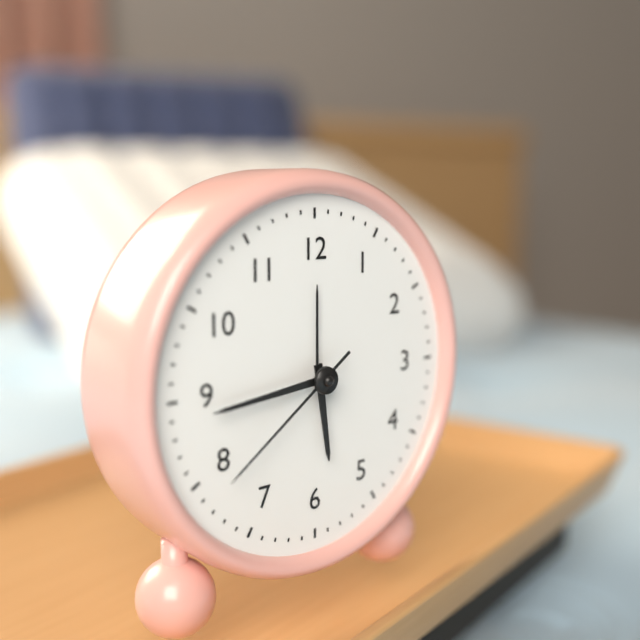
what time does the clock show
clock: 5:44:39
